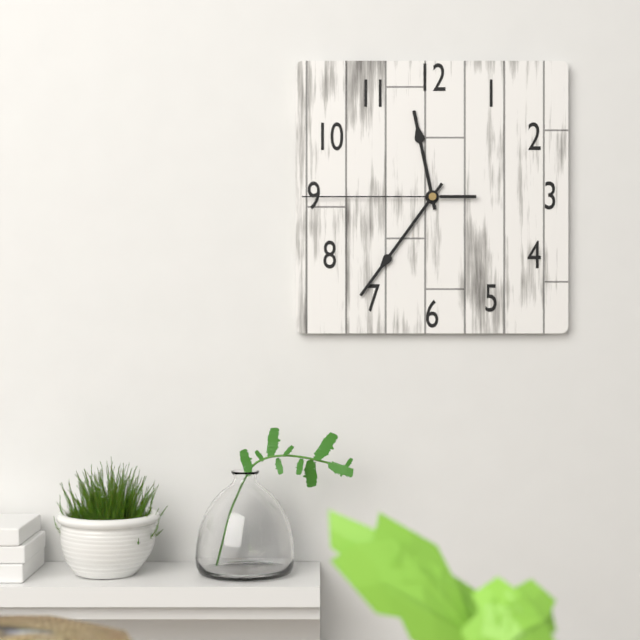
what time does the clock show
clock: 11:36:45
